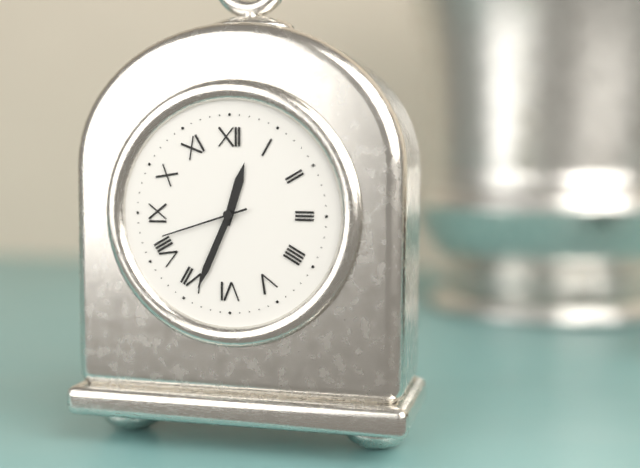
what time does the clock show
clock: 12:34:42
